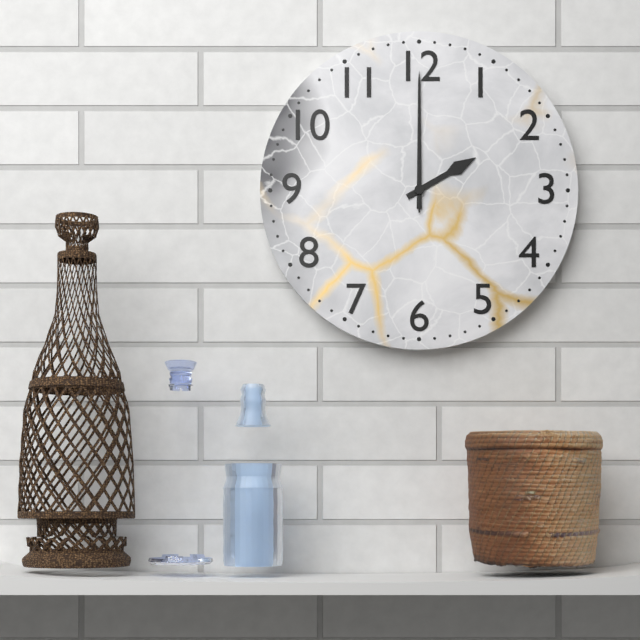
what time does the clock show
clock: 2:00:00
